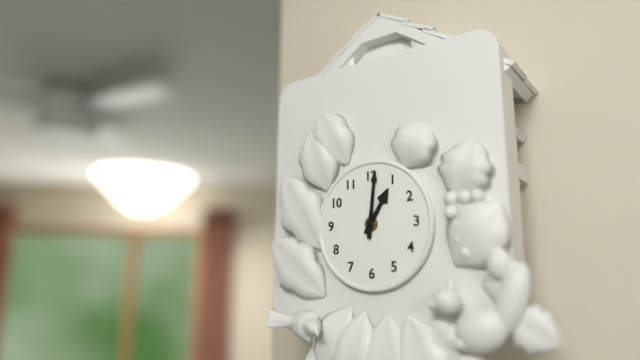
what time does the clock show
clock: 1:01
